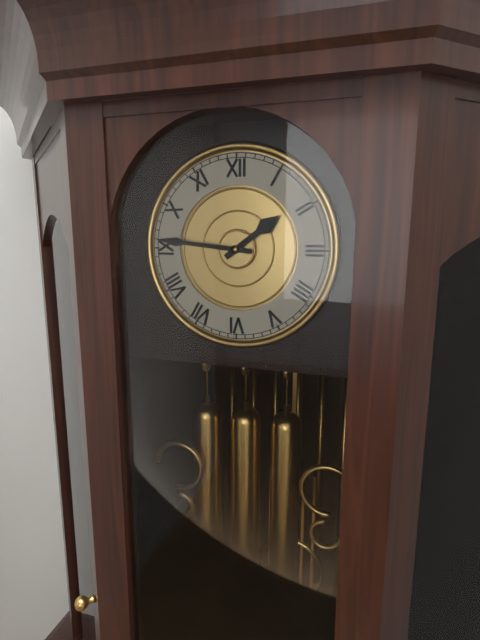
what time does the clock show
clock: 1:46
